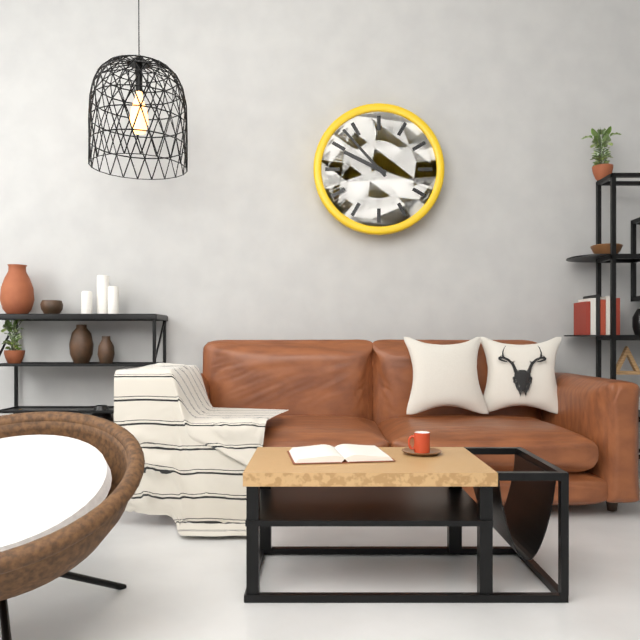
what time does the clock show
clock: 9:53
